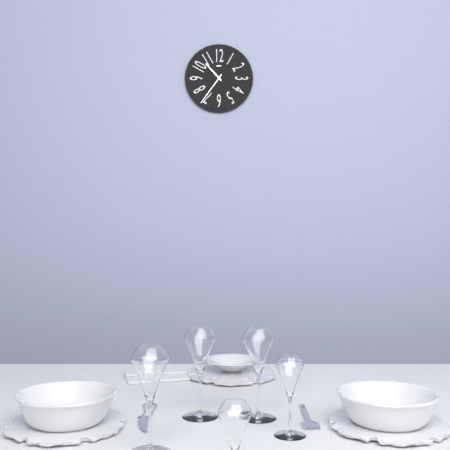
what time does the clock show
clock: 10:36
